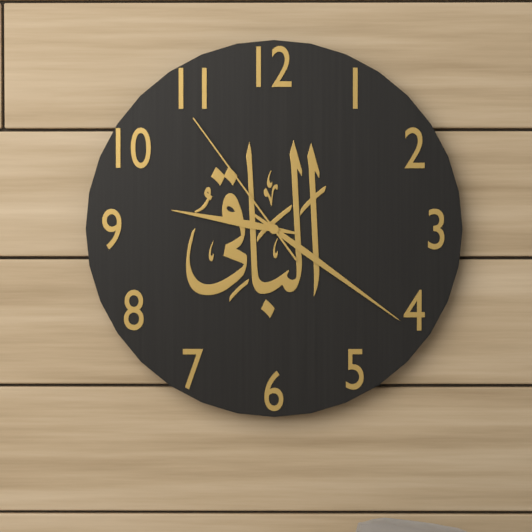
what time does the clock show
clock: 9:21:54
